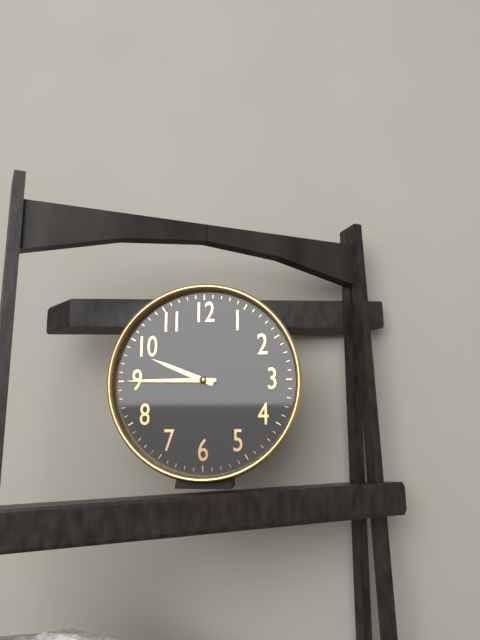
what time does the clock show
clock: 9:45
